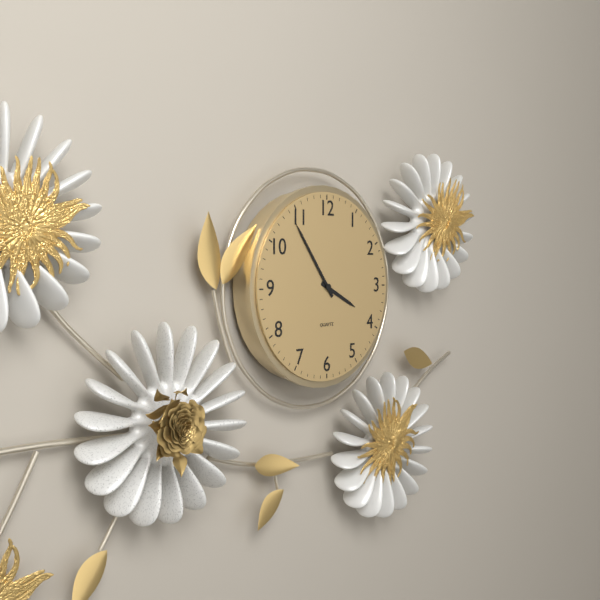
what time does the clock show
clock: 3:54
